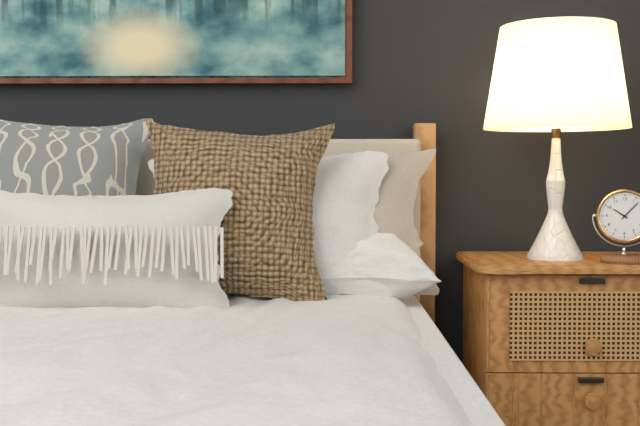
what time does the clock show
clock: 10:07
